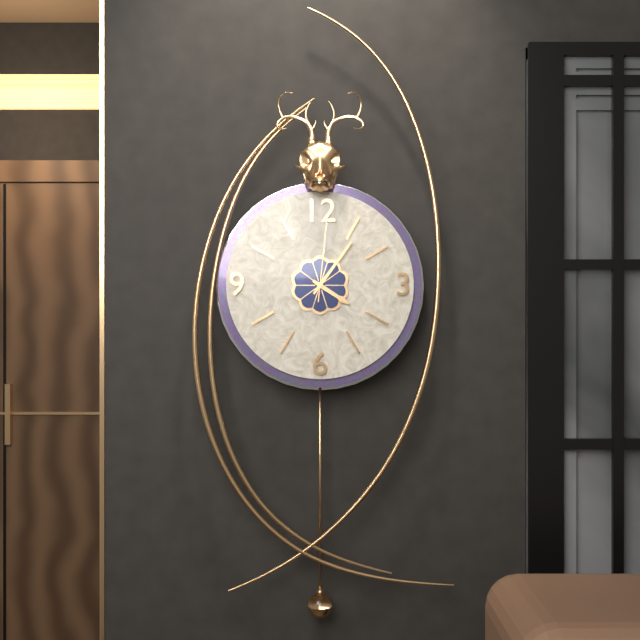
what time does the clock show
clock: 4:06:01
